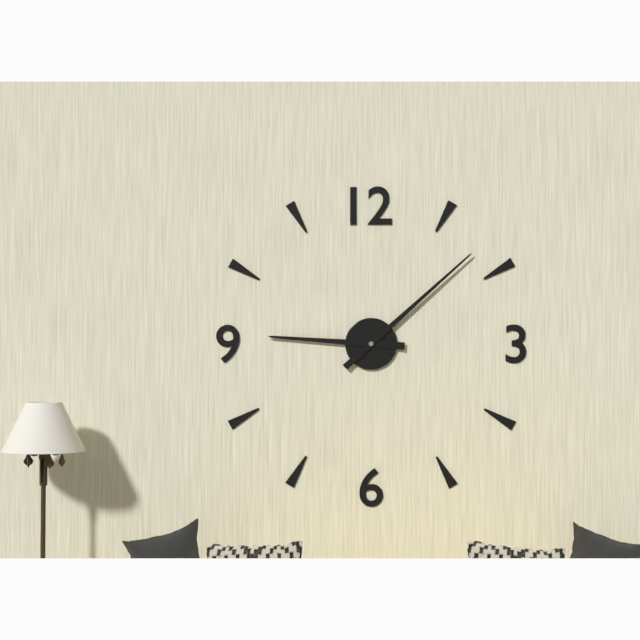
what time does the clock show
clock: 9:08
